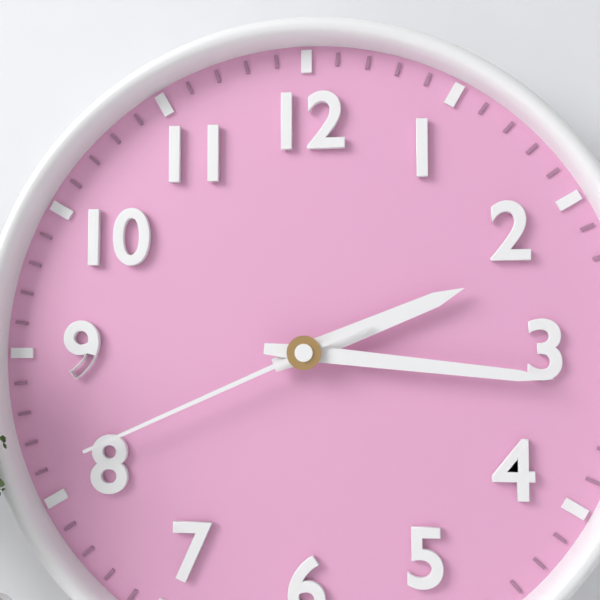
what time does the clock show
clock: 2:16:41
